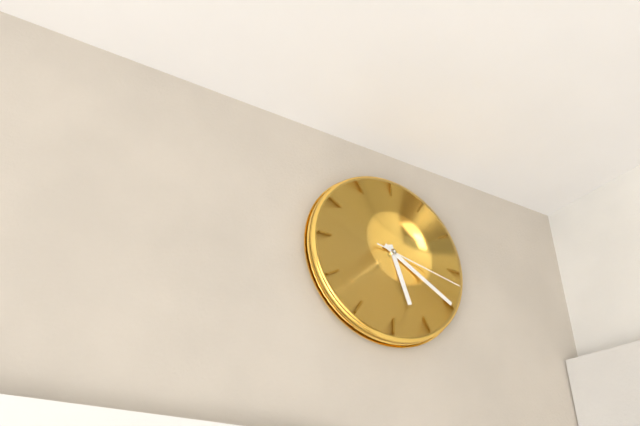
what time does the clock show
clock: 5:20:17
